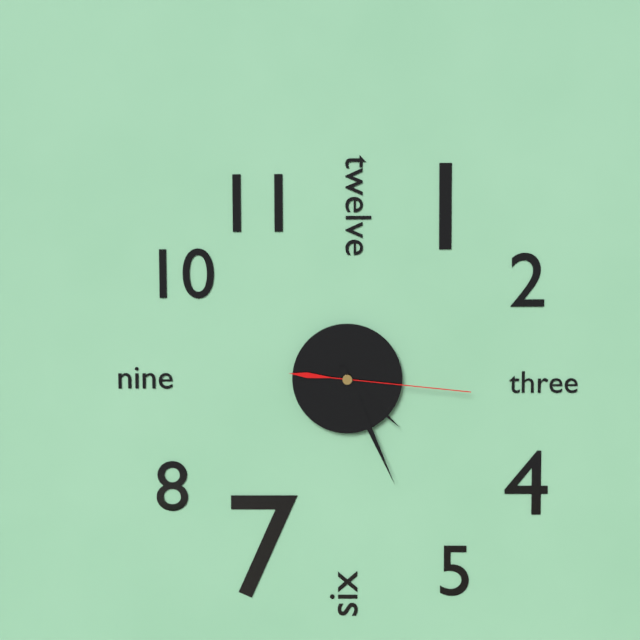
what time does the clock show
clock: 4:26:16
